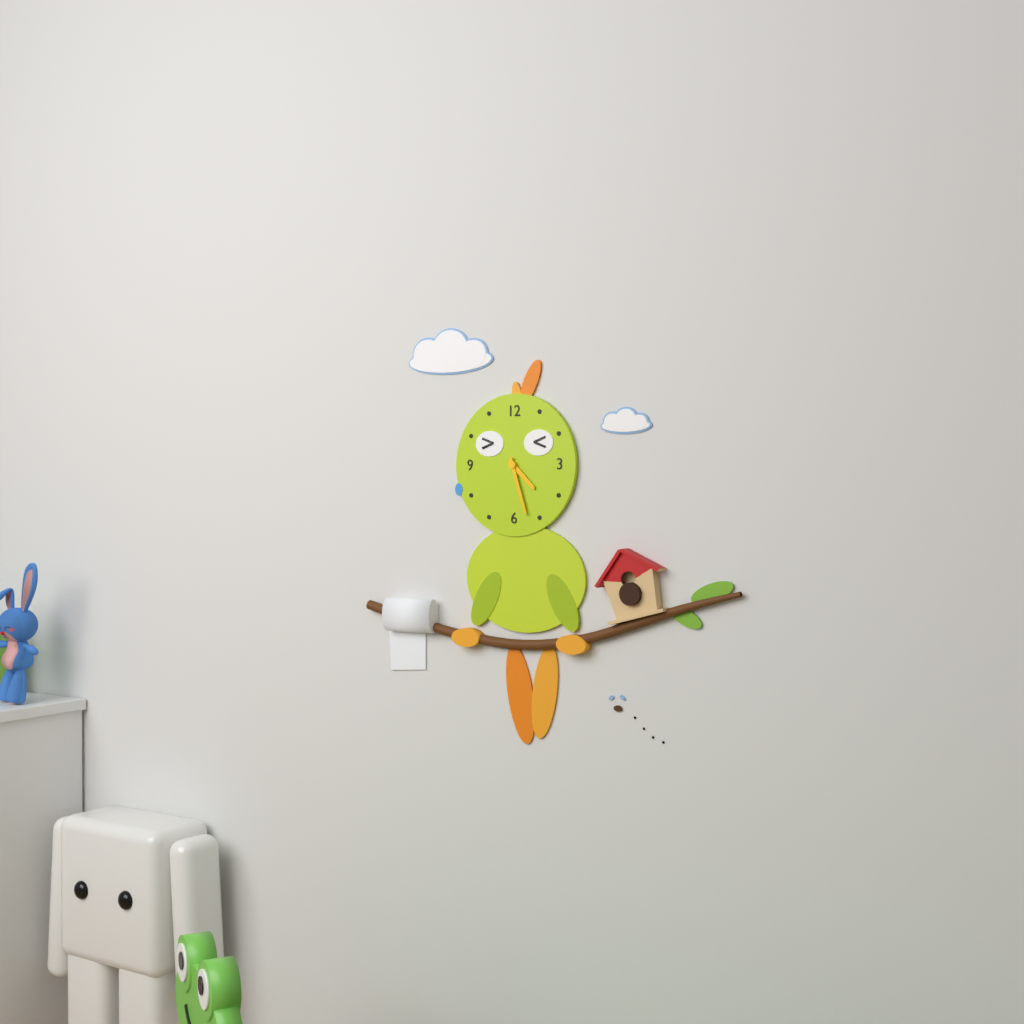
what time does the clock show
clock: 4:27
